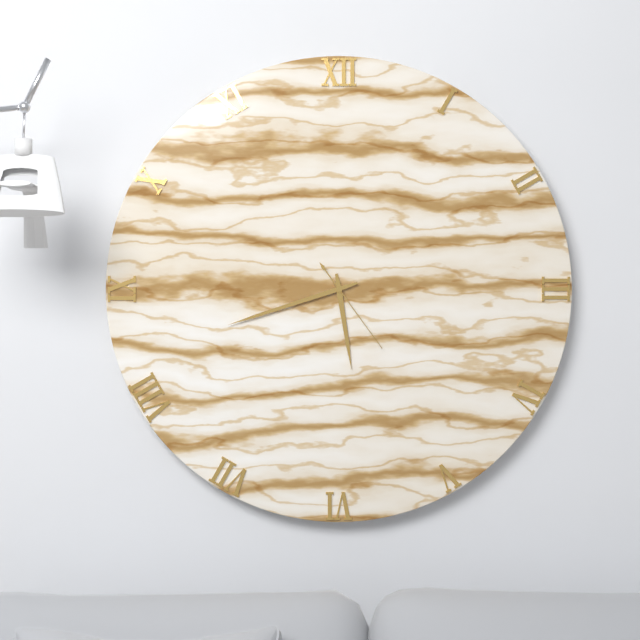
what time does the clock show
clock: 5:42:24
